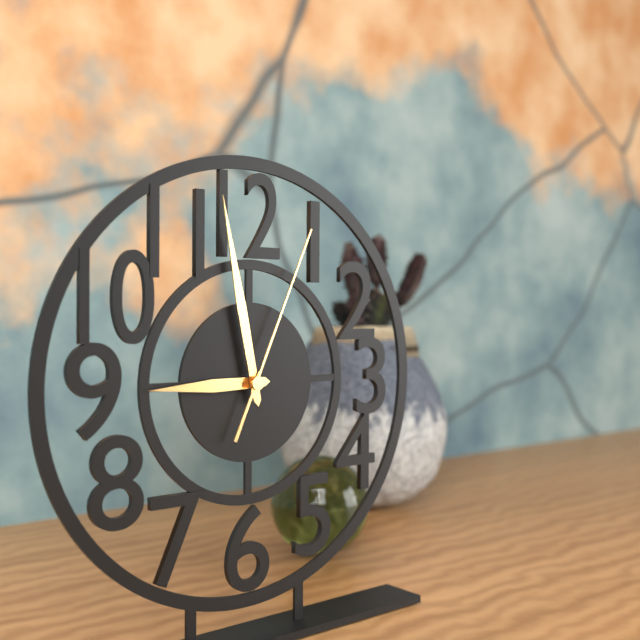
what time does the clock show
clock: 8:58:04
